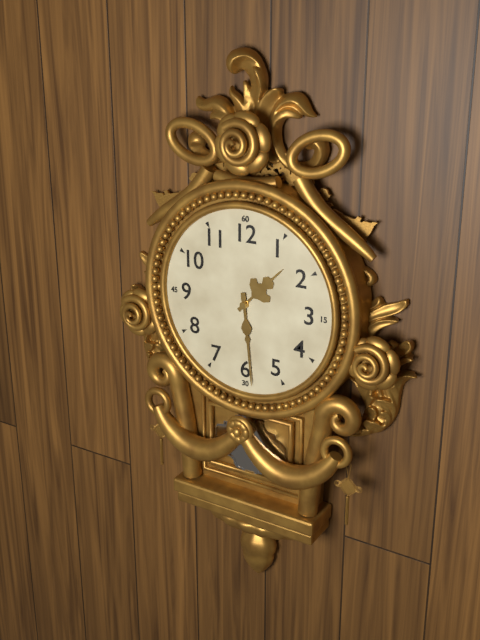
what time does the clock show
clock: 1:29
